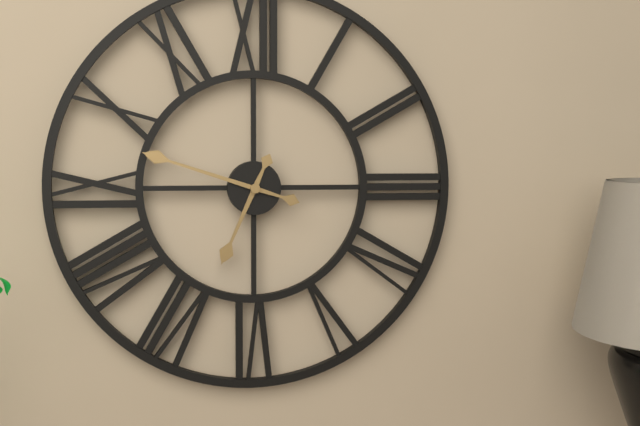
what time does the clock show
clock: 6:48
